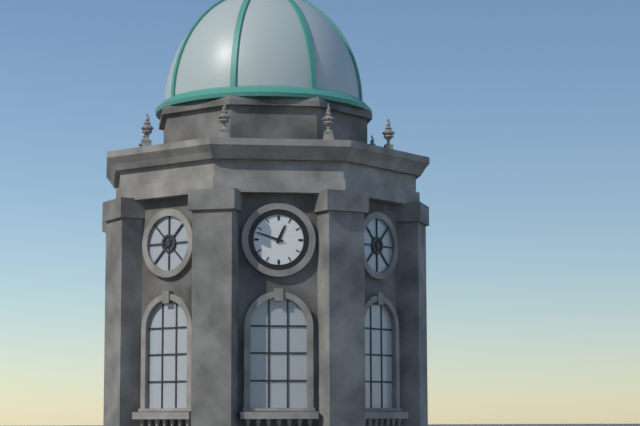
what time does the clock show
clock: 12:48
